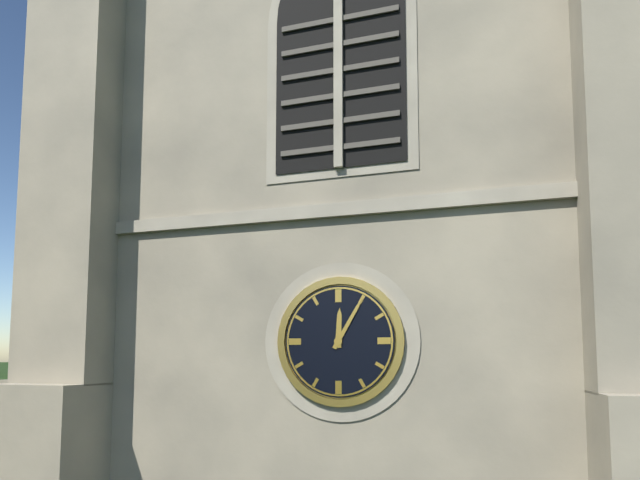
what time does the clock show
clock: 12:05
